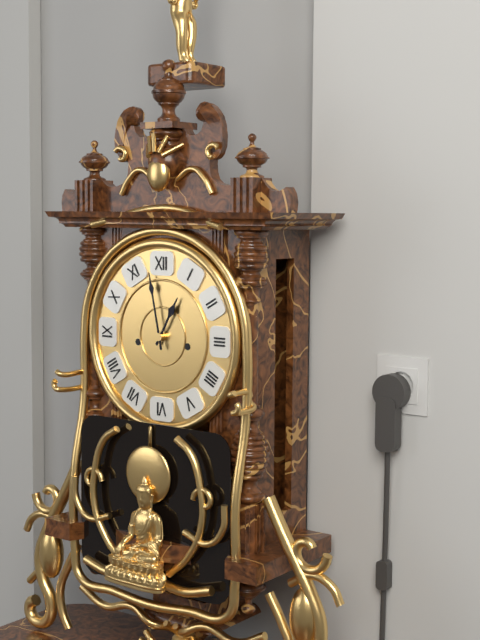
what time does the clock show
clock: 12:58
